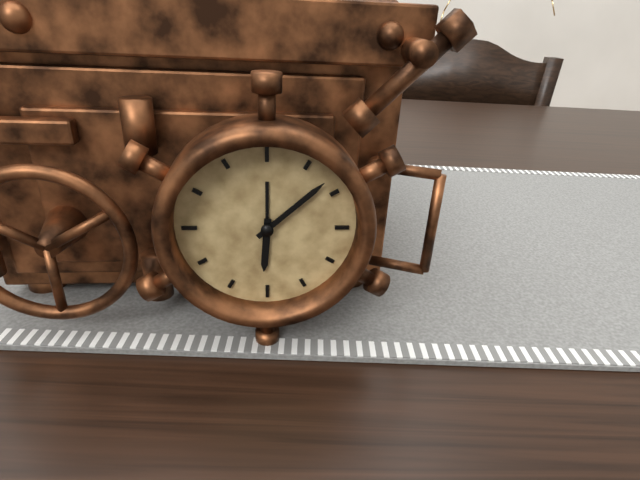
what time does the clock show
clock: 6:08
